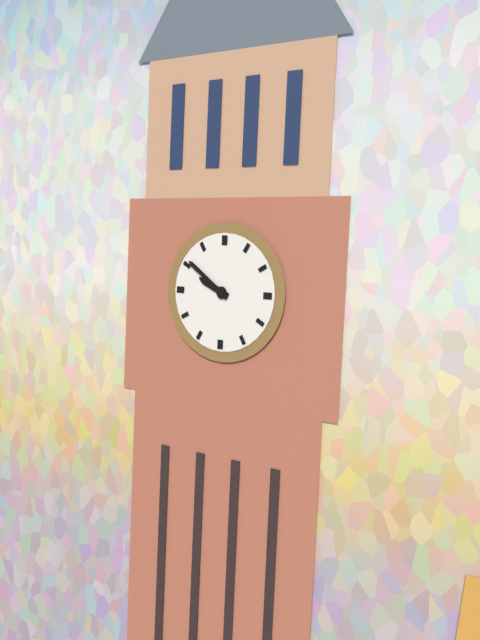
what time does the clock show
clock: 9:51
